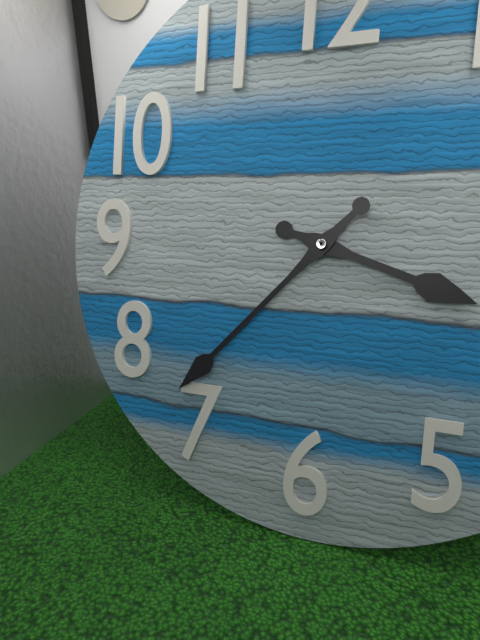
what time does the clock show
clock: 3:37
